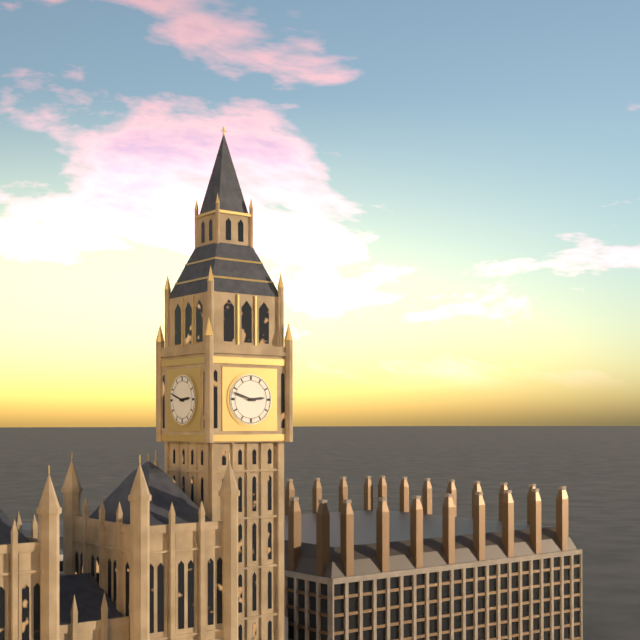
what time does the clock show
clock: 2:48
